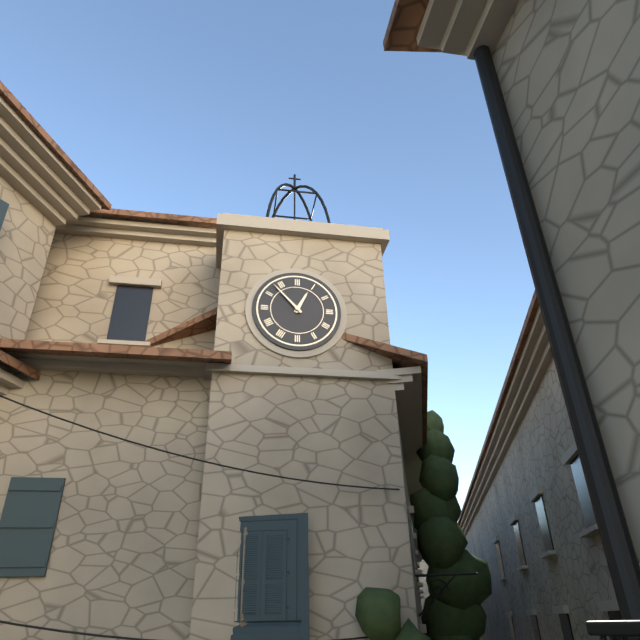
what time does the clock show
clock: 12:53
